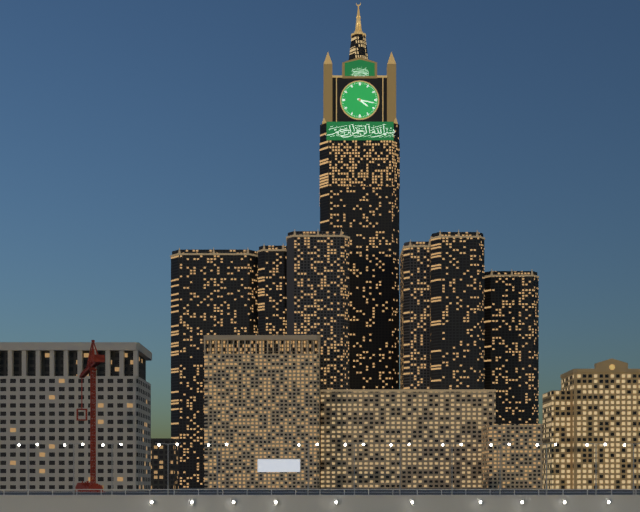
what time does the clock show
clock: 4:17
